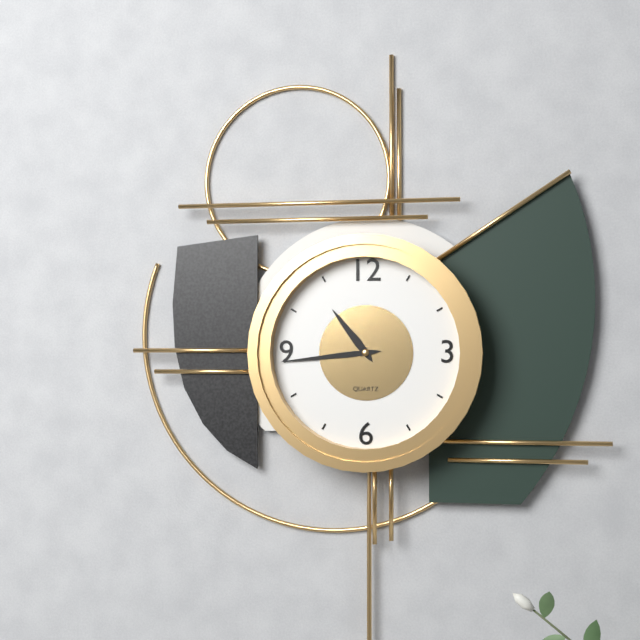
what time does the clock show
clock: 10:44
